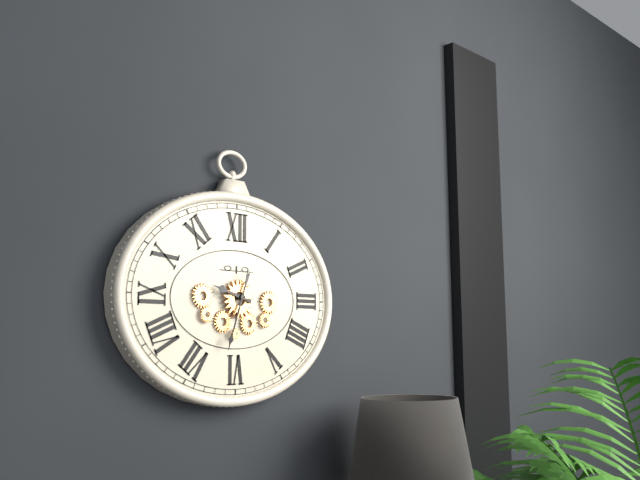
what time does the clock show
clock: 9:33
